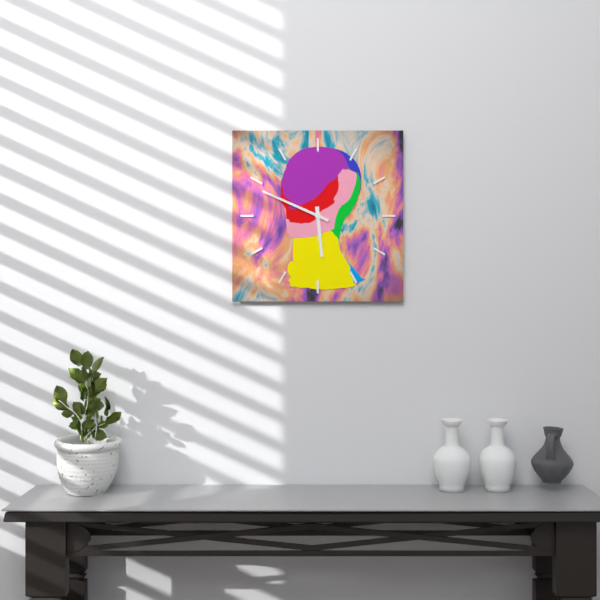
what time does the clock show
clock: 5:49
